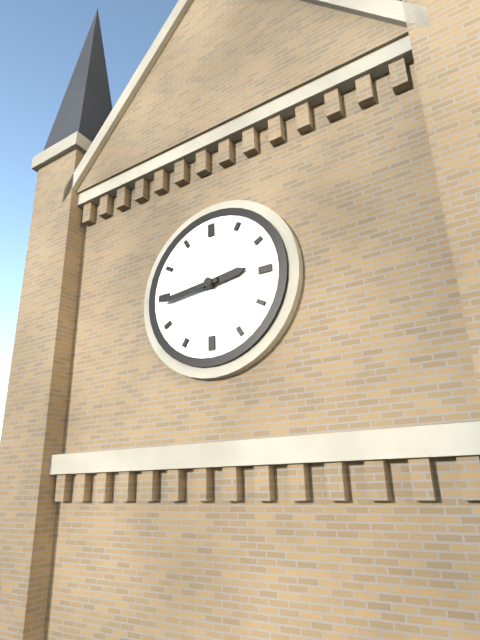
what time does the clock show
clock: 2:44
